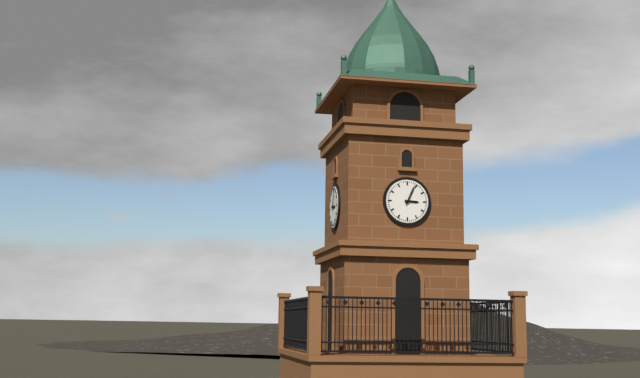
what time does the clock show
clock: 3:04
